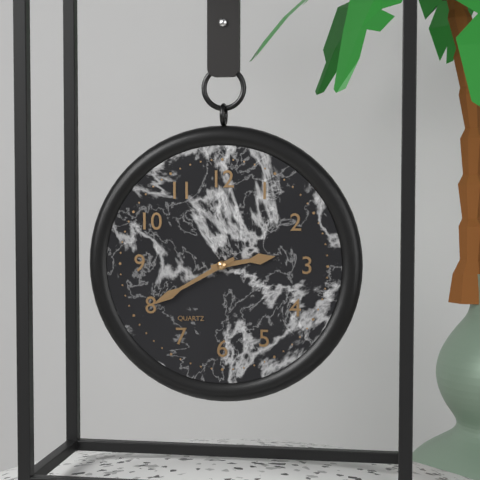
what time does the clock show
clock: 2:40
